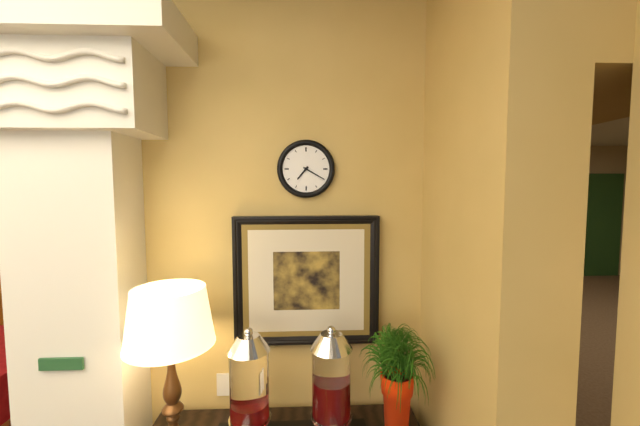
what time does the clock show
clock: 7:20
